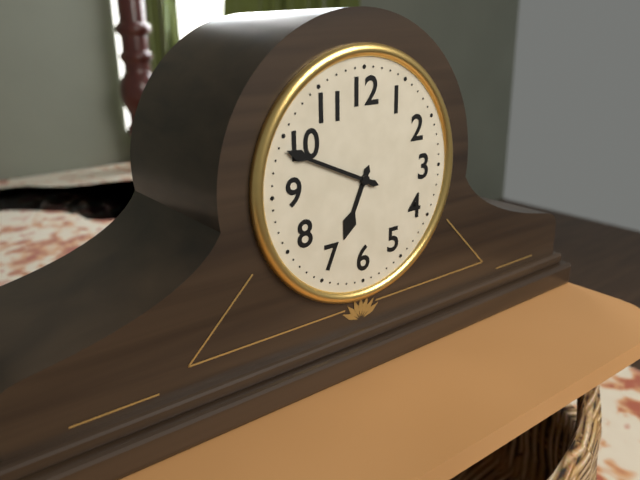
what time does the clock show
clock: 6:49
